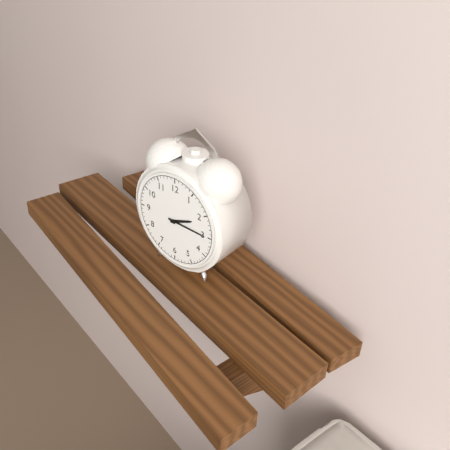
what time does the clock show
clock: 2:15
